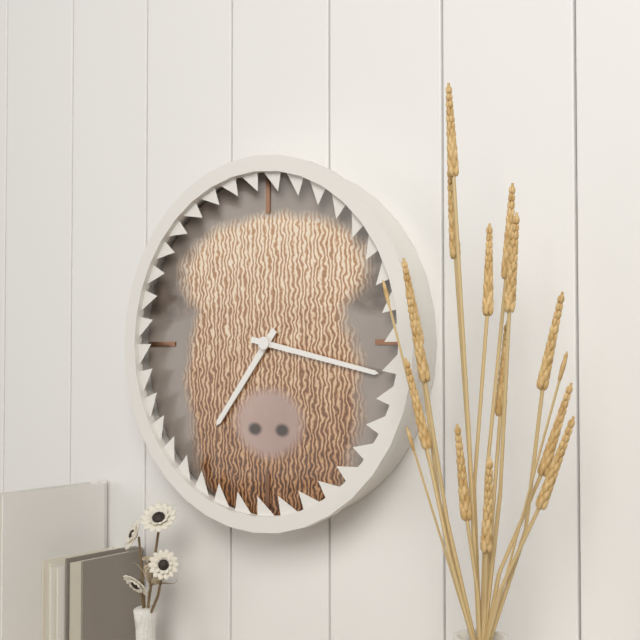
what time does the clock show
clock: 7:17
